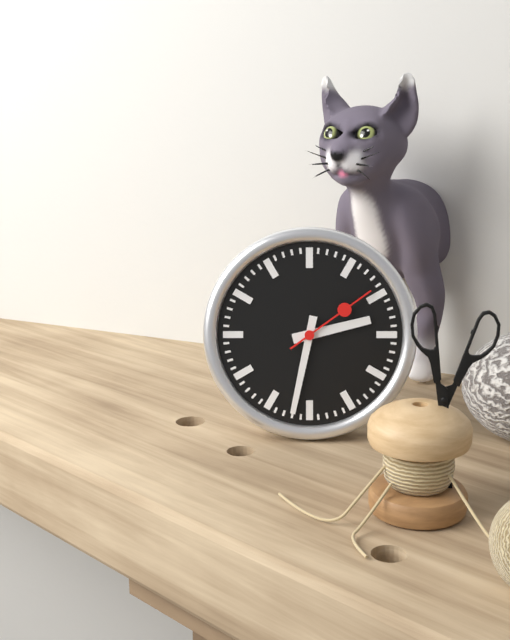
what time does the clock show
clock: 2:32:09
